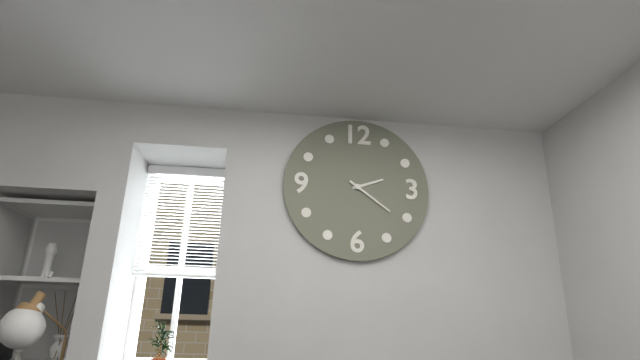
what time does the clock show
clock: 2:21
